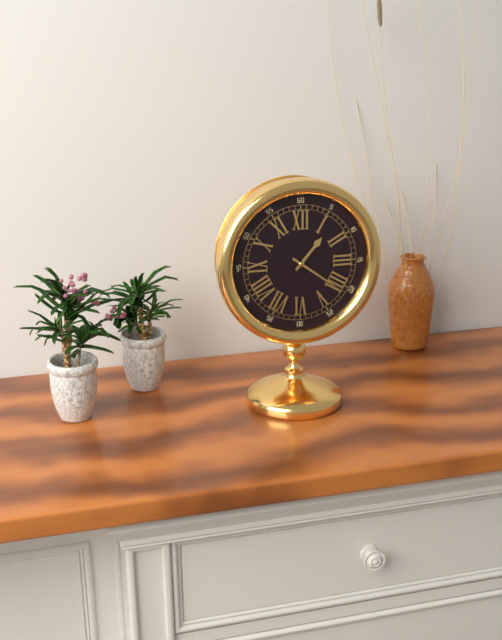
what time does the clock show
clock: 1:21
